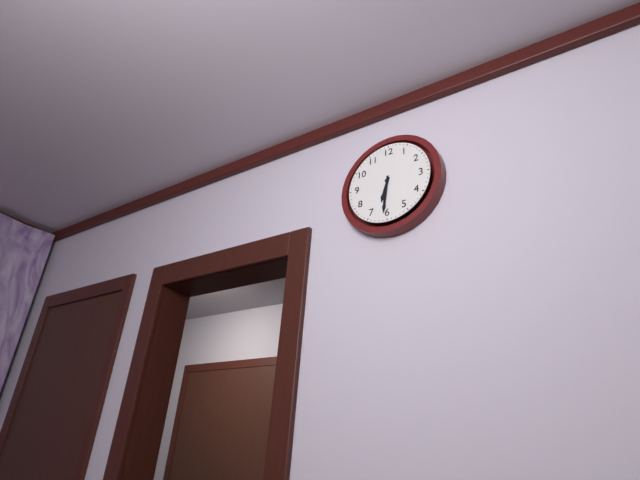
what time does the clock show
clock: 6:31
